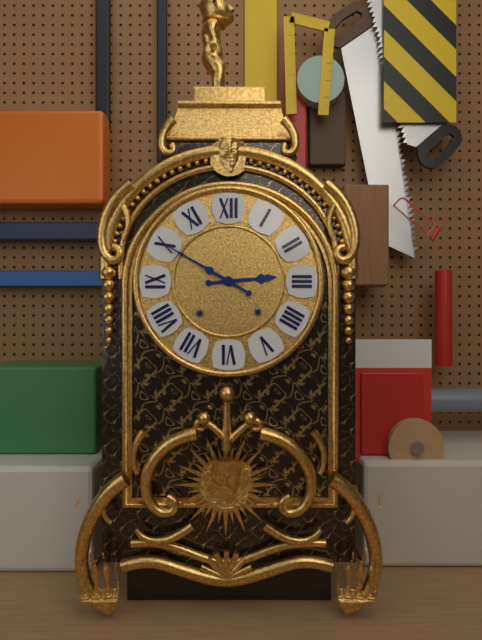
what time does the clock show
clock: 2:50
